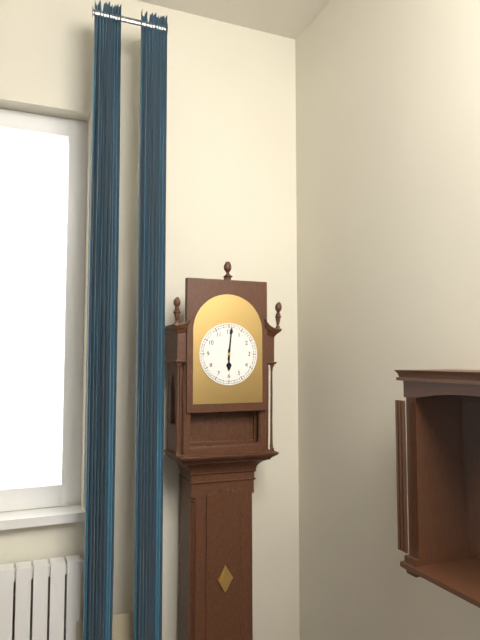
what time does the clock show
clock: 6:01
